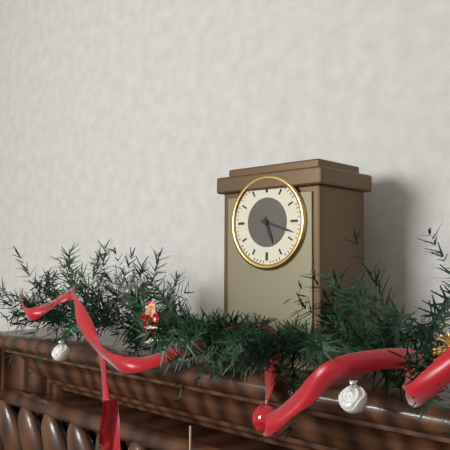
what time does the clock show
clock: 5:18
